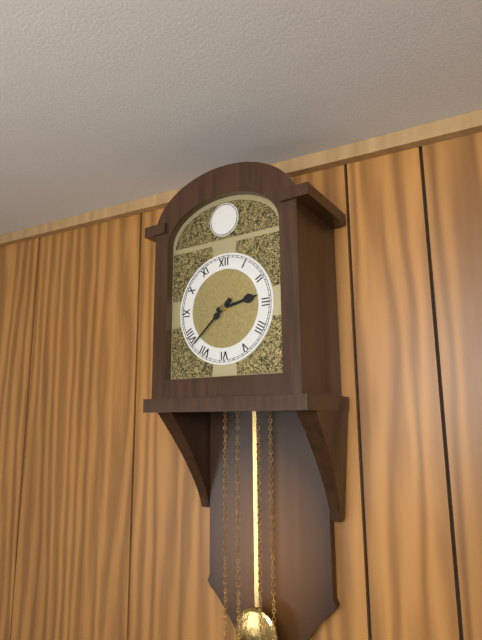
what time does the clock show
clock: 2:38
